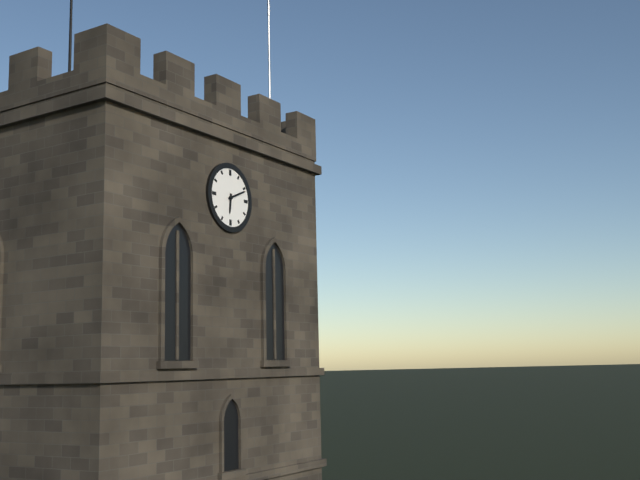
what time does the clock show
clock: 6:11
